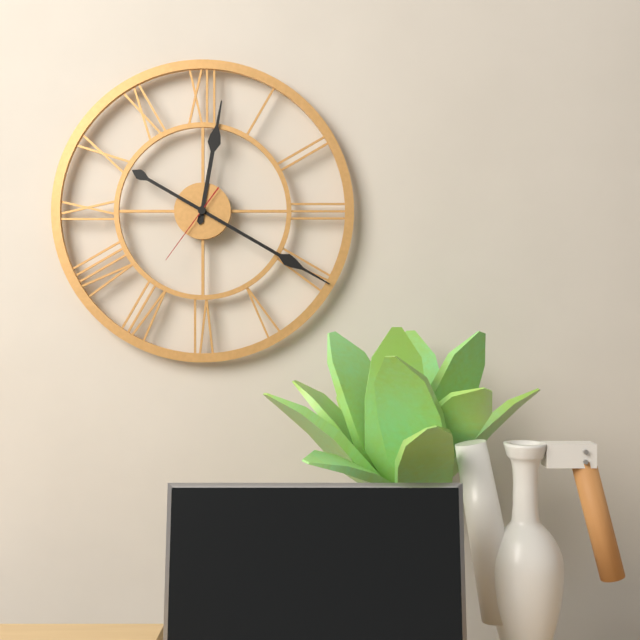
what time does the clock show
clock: 12:20:36
